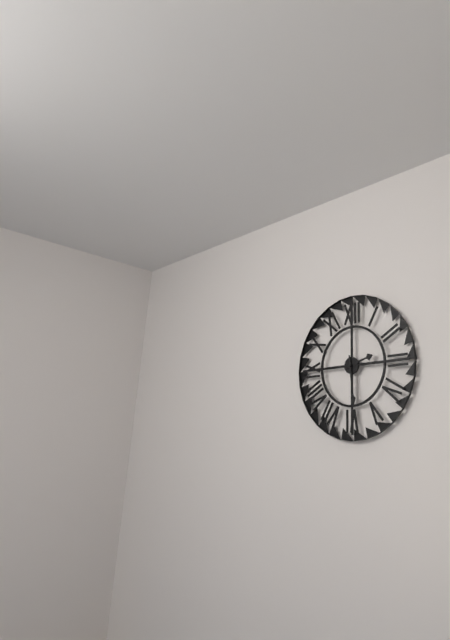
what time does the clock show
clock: 2:29
